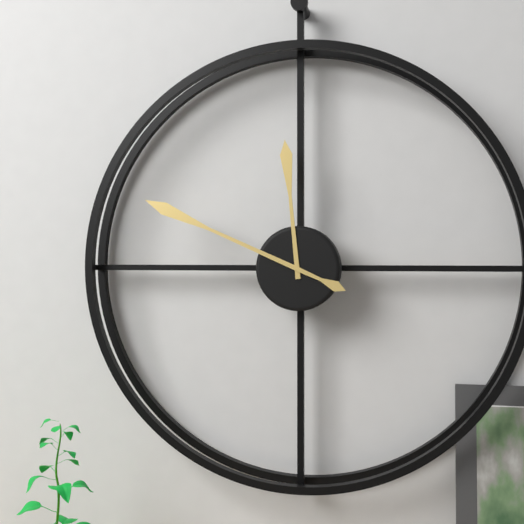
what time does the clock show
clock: 11:49
